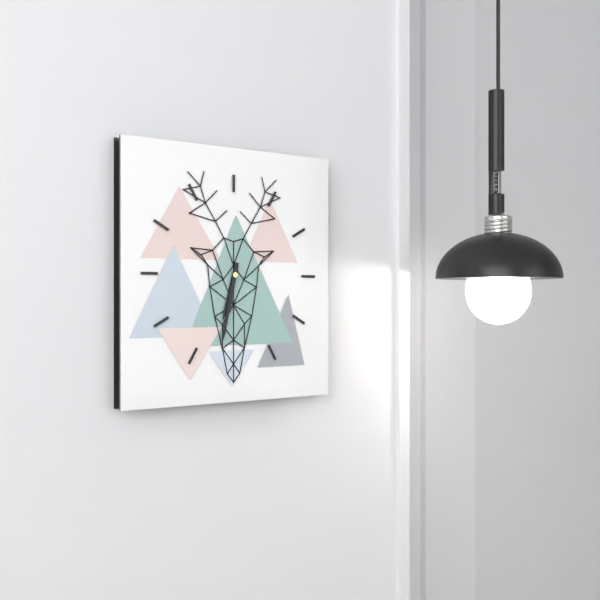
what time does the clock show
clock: 6:32
